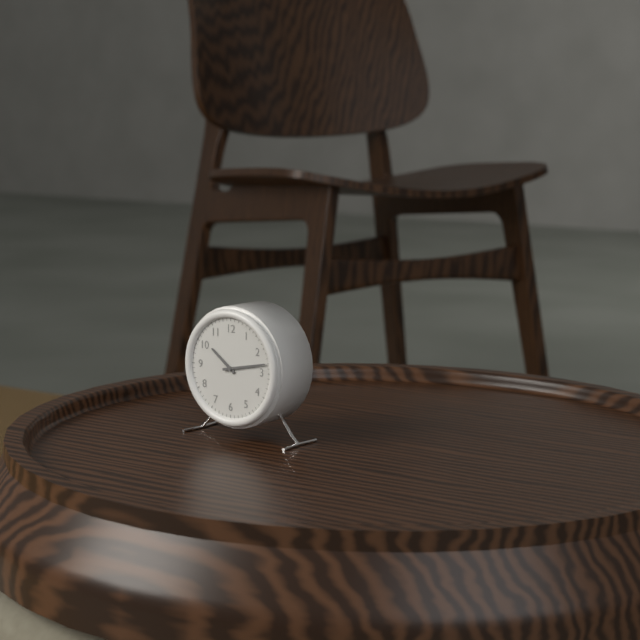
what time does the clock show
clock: 10:13
